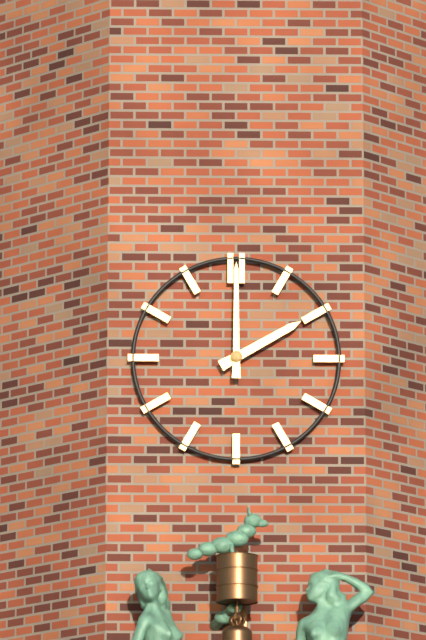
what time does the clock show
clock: 2:00
